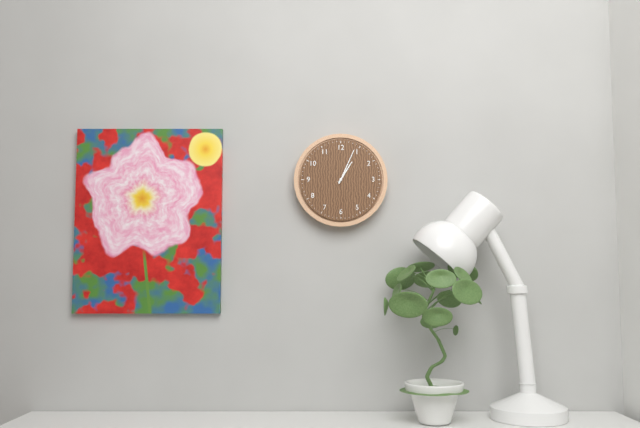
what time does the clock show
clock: 1:04
